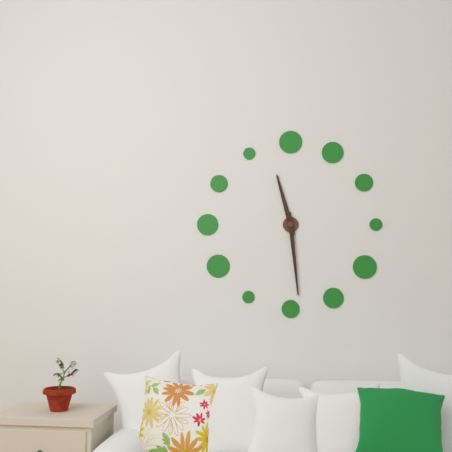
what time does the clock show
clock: 11:29
